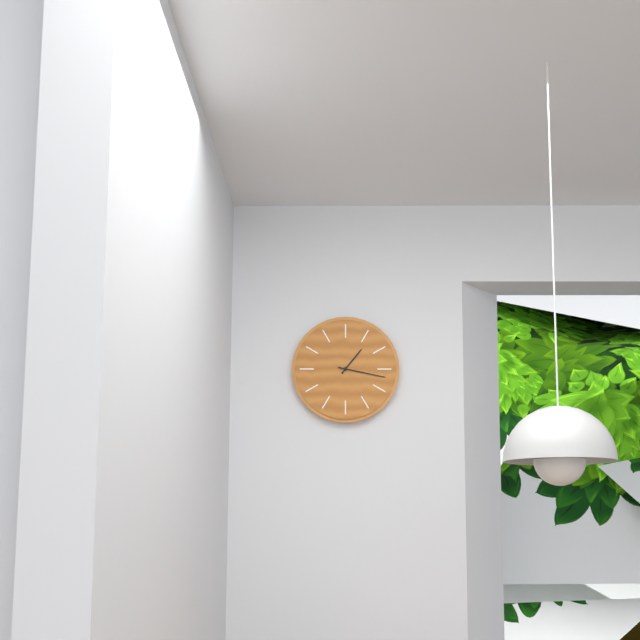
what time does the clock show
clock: 1:17
